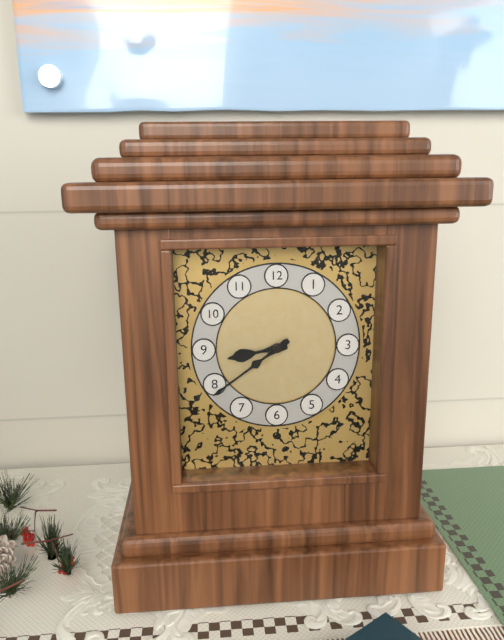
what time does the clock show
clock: 8:39
